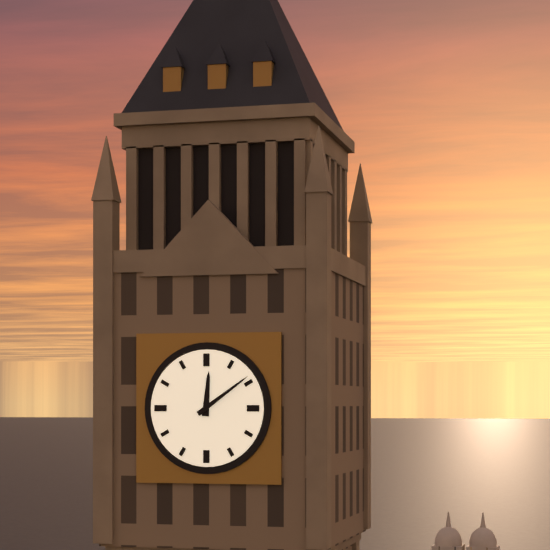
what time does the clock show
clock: 12:09
